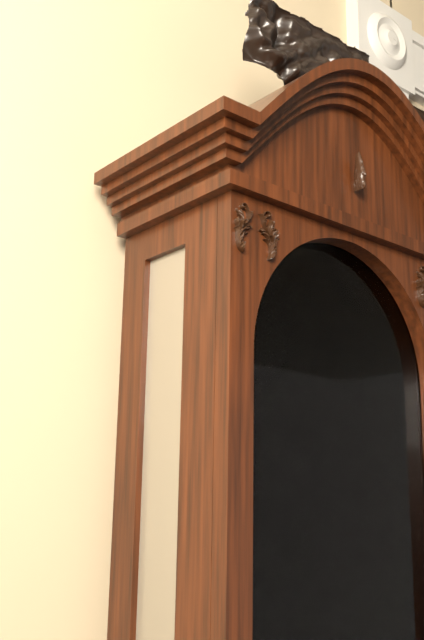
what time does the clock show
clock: 4:17
